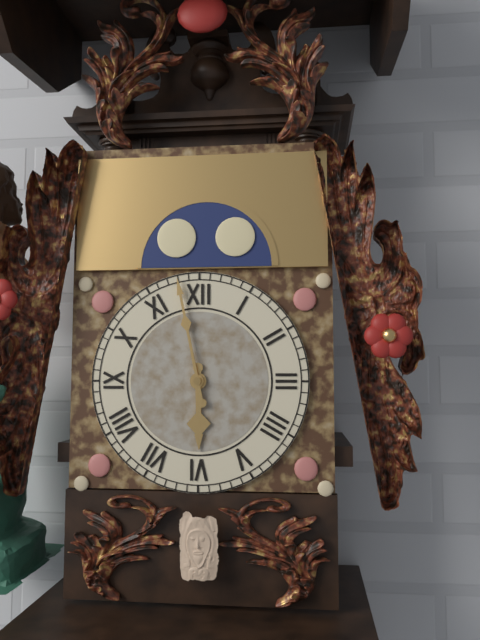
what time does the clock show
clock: 5:58
